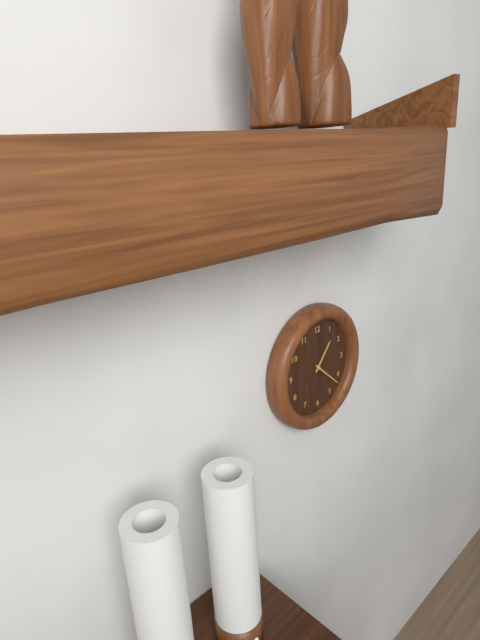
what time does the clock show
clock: 1:22
